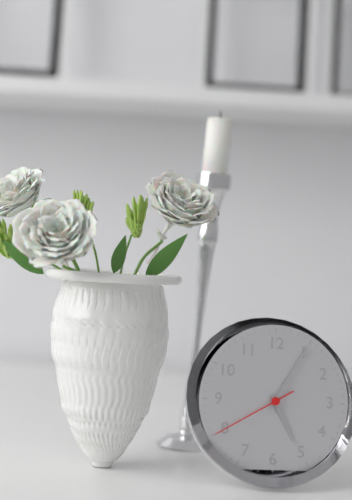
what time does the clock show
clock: 5:05:40
